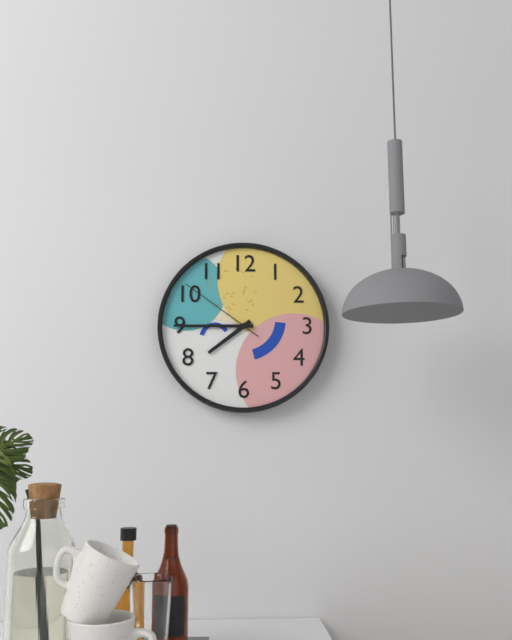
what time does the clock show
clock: 7:45:51
